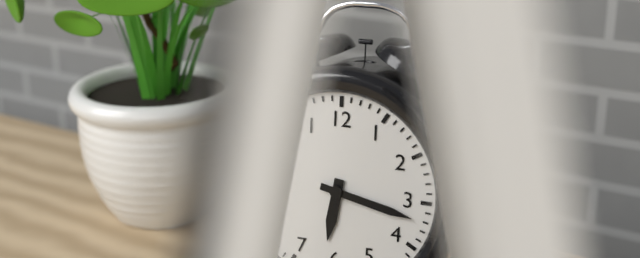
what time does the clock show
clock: 6:17
